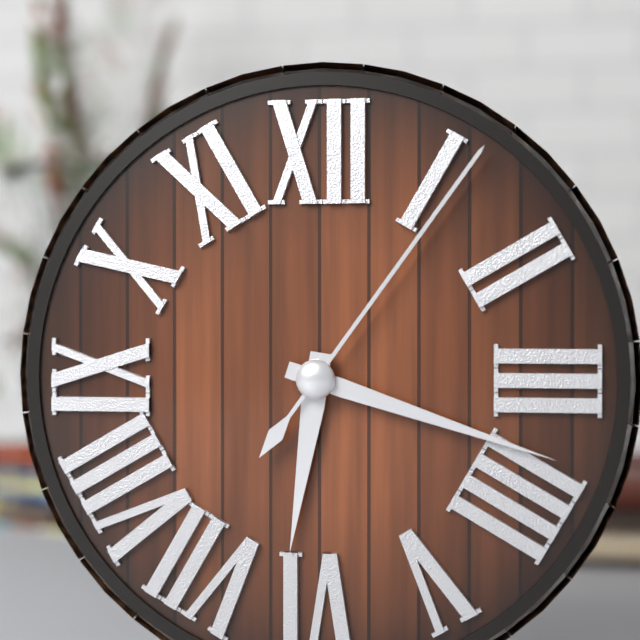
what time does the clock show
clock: 6:18:06
